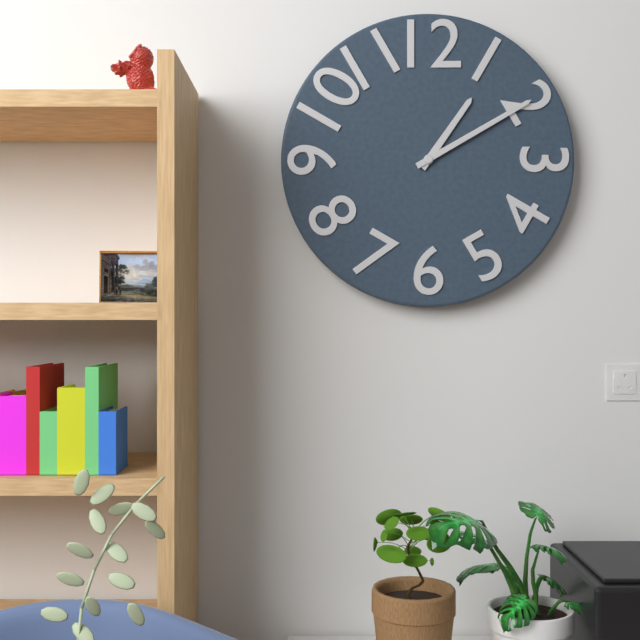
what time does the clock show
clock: 1:10
